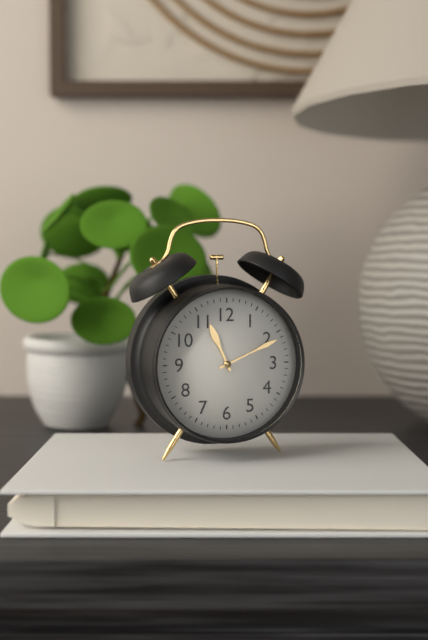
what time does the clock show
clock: 11:11
